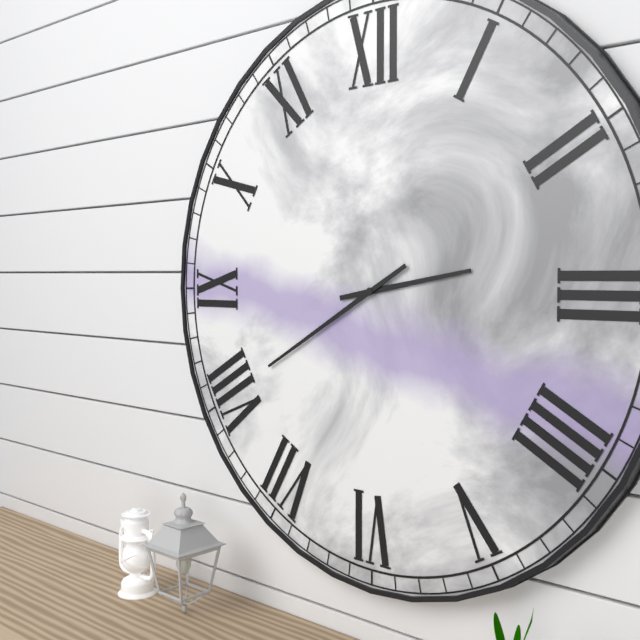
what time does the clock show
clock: 2:40
